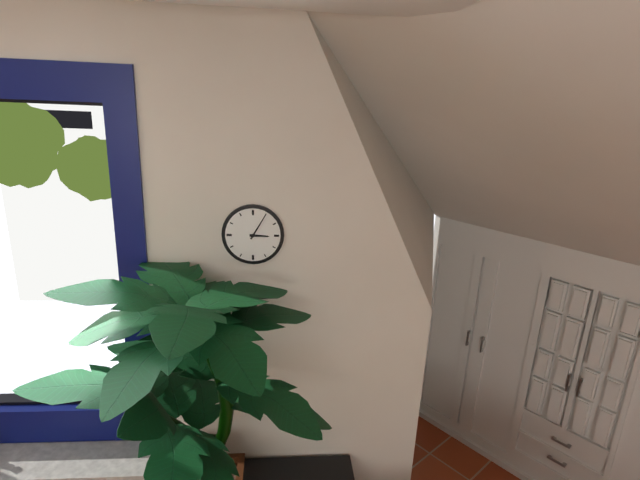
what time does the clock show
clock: 3:05
